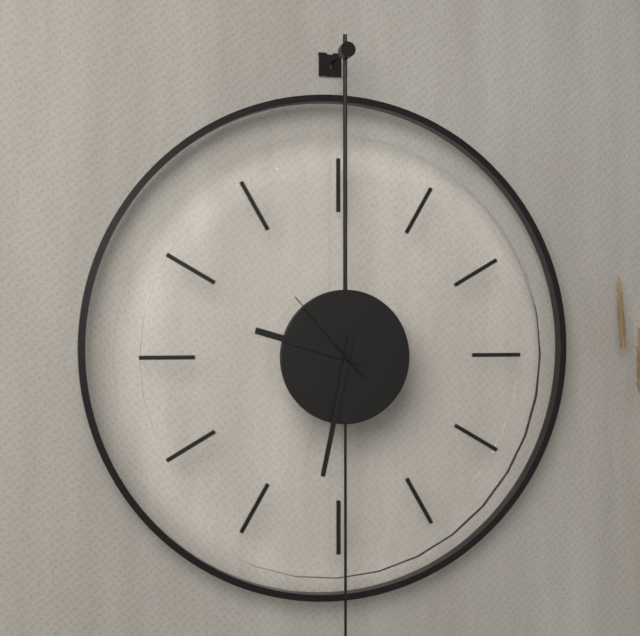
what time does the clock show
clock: 9:32:53
